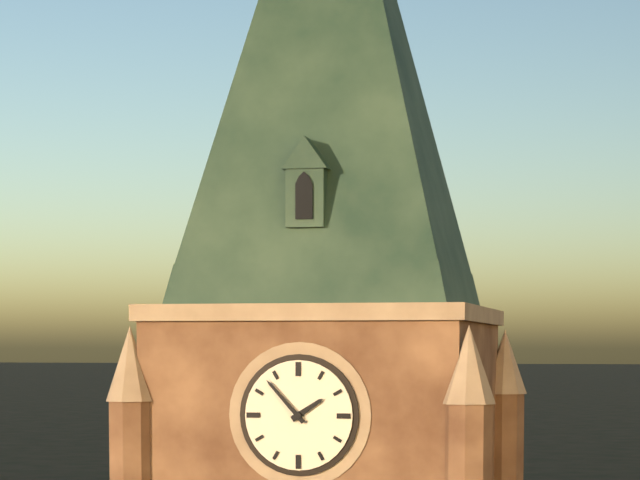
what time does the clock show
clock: 1:53
